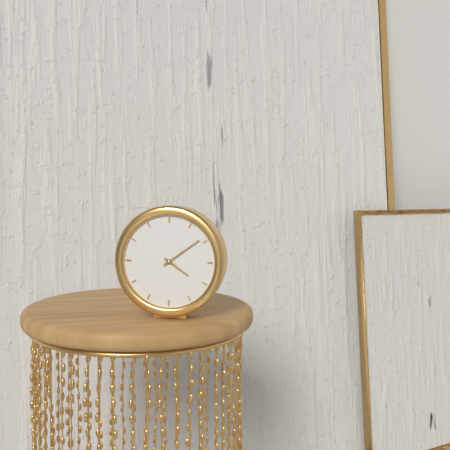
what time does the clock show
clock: 4:09
